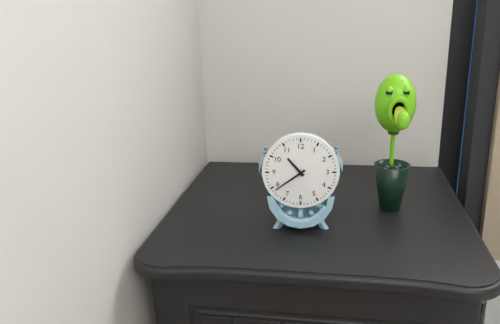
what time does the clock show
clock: 10:39
